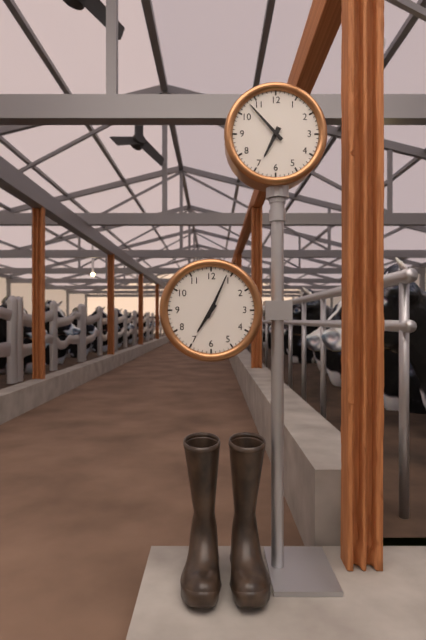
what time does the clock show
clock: 6:53
